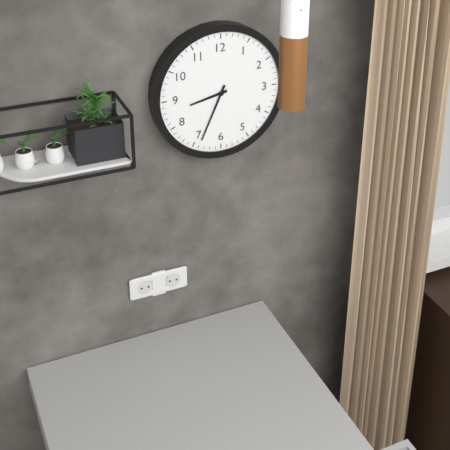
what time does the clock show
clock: 8:34
